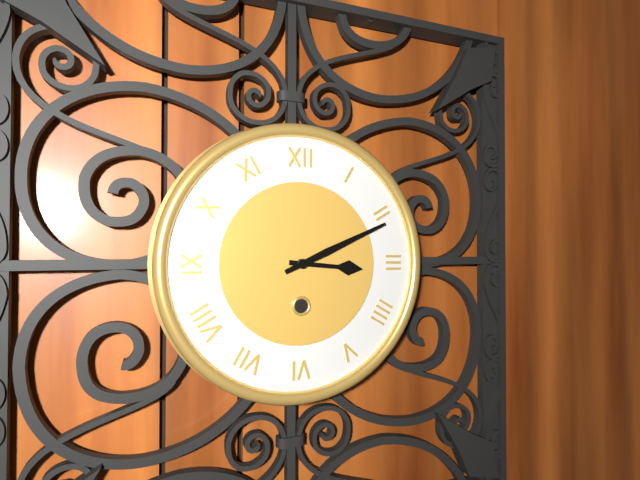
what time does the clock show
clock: 3:11
